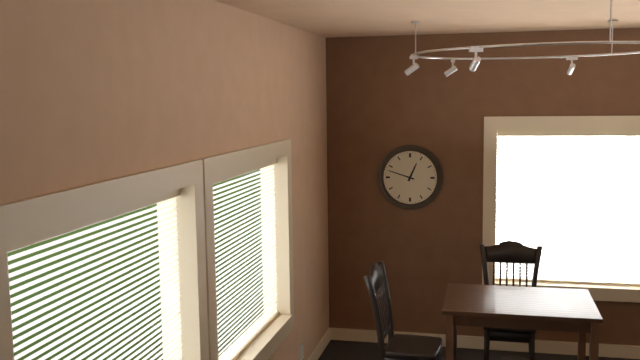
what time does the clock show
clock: 12:48
